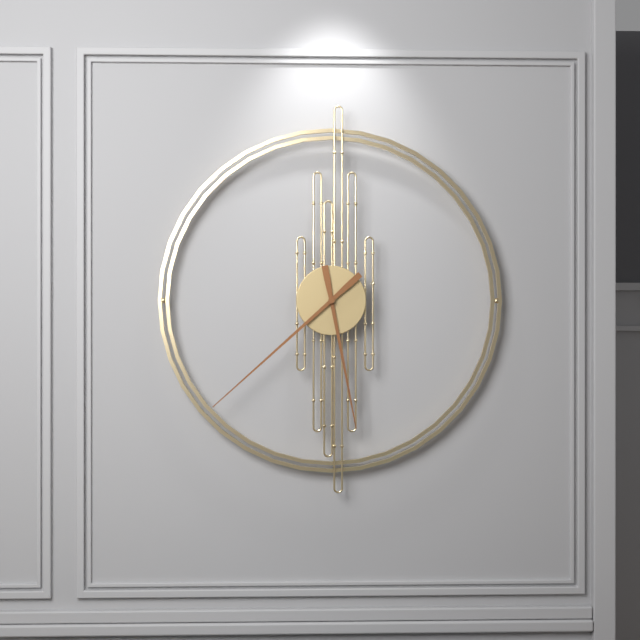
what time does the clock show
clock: 5:38
